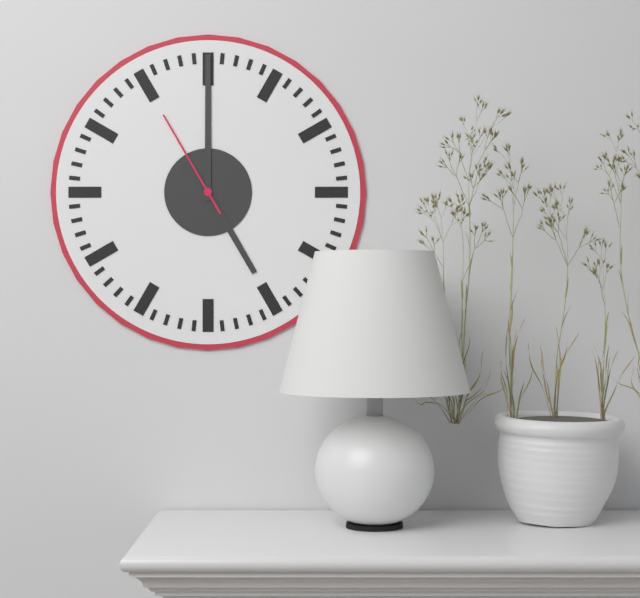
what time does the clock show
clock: 5:00:55
